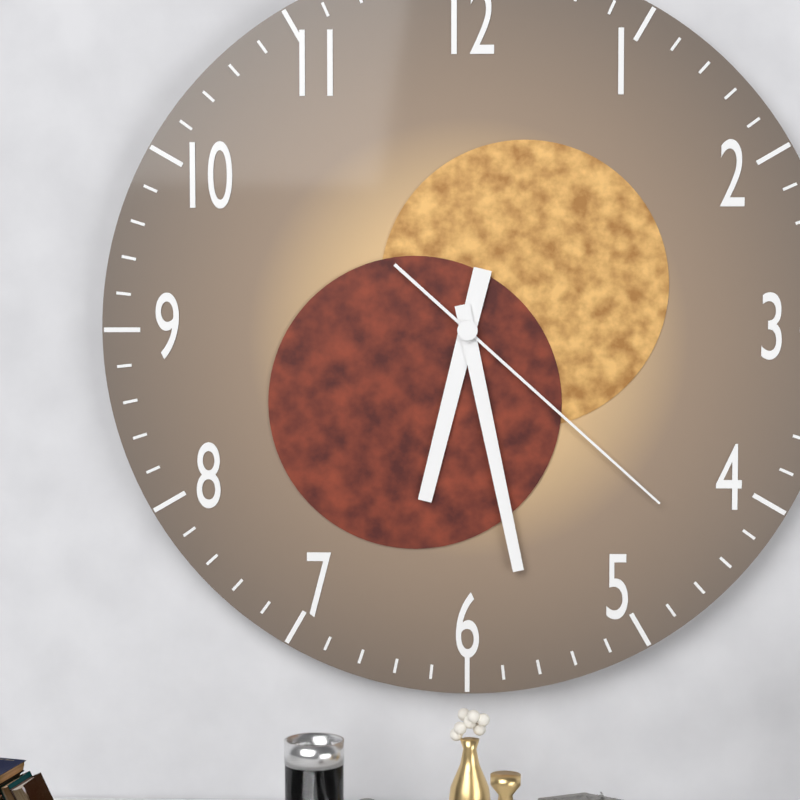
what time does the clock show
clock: 6:28:22
